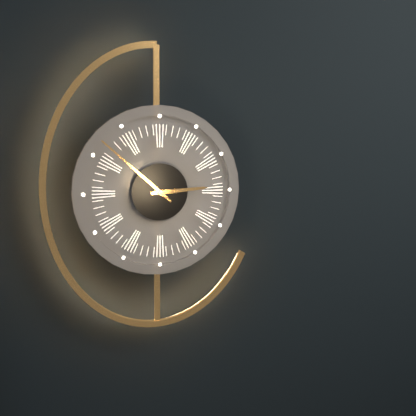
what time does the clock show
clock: 2:52
